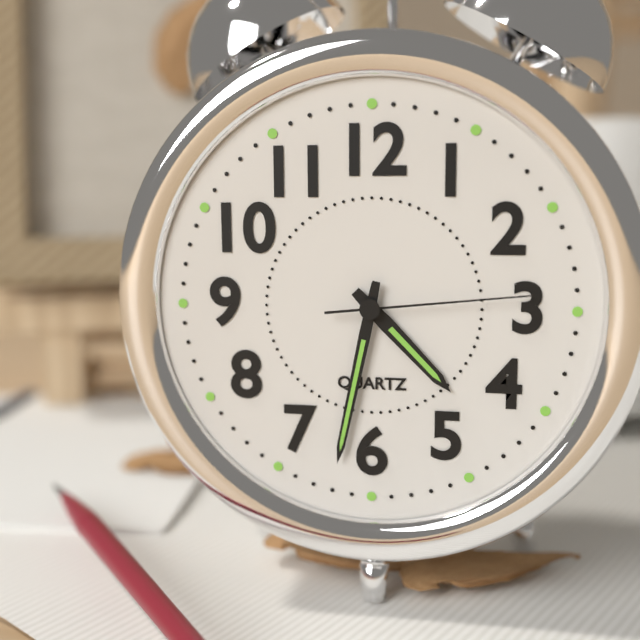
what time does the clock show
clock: 4:32:14
